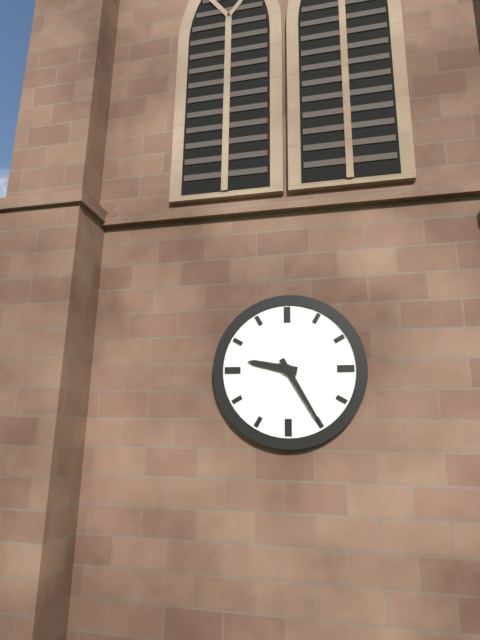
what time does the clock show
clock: 9:25
